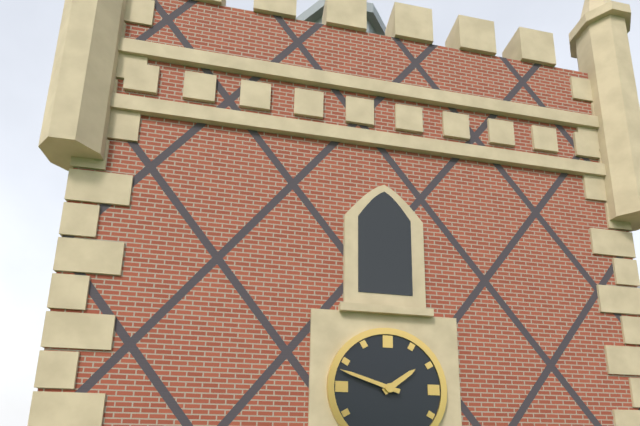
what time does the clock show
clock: 1:48
